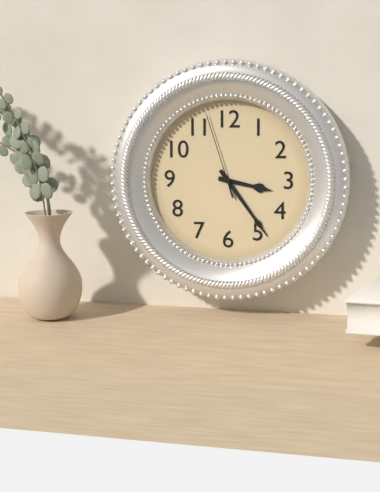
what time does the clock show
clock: 3:24:57
